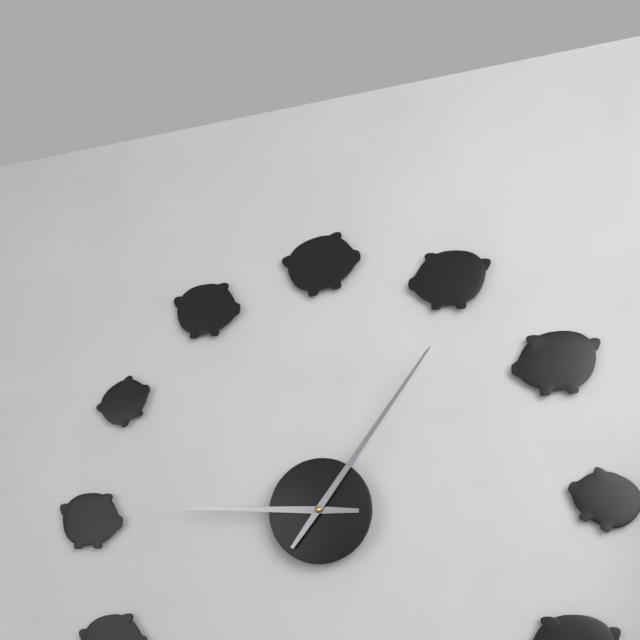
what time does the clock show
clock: 9:06
